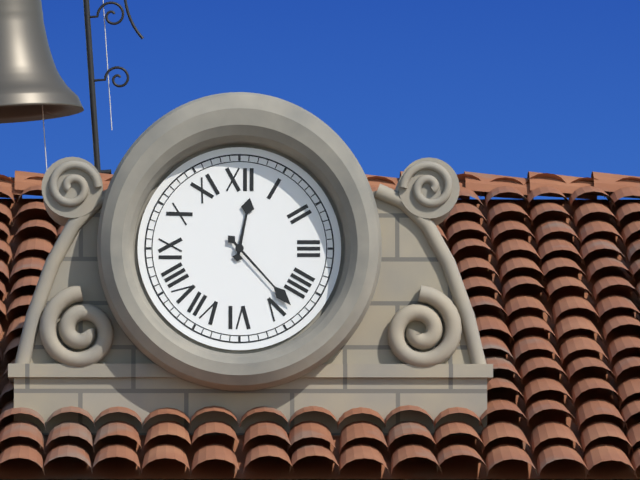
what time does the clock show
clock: 12:23
